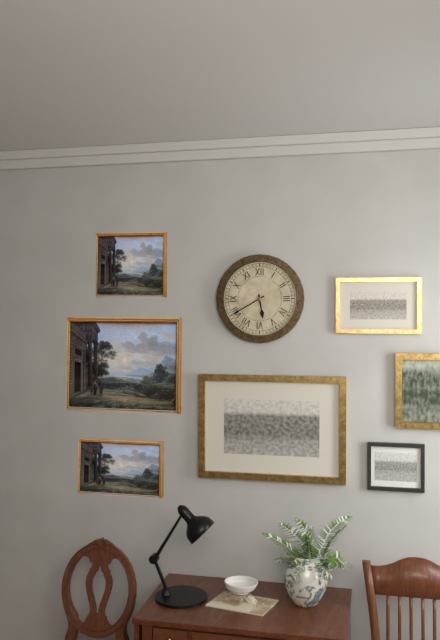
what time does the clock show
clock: 5:40
